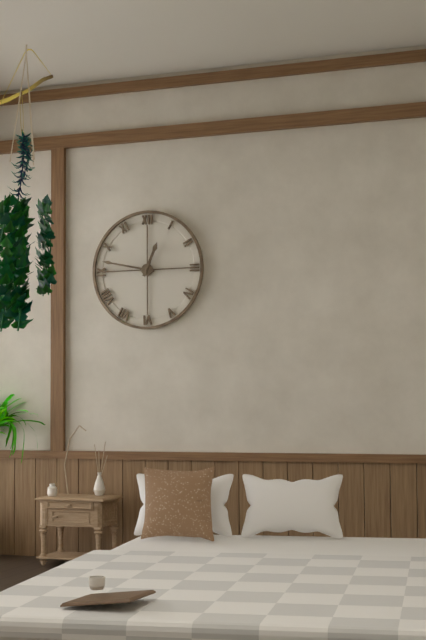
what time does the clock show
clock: 12:47
